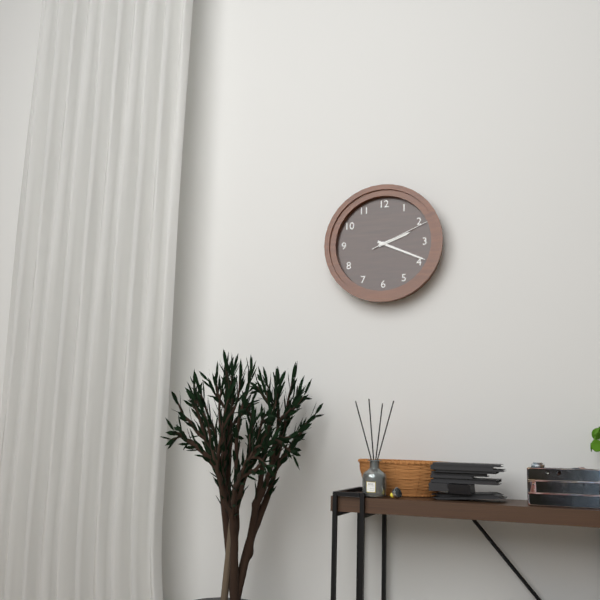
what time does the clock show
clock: 2:19:11
